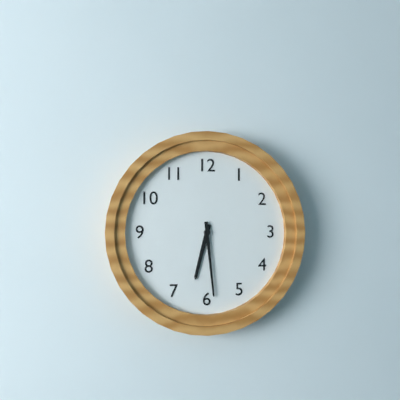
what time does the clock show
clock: 6:29
